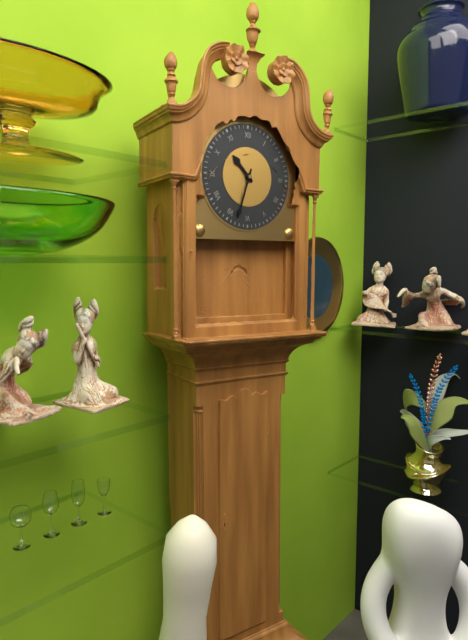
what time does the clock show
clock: 10:33
